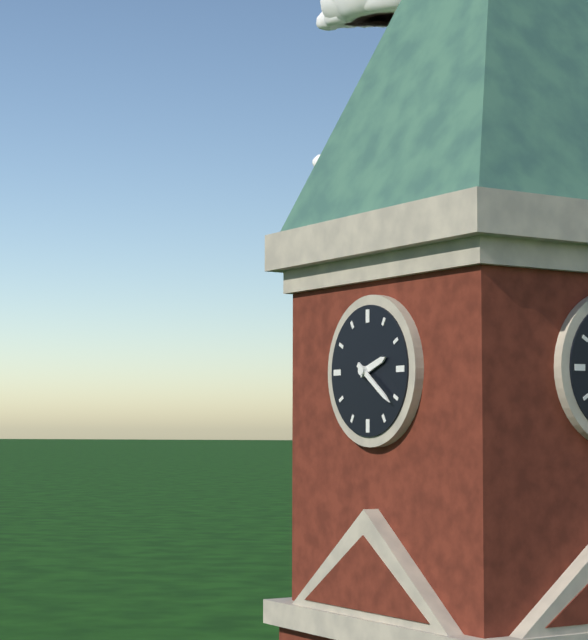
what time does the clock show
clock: 2:21
